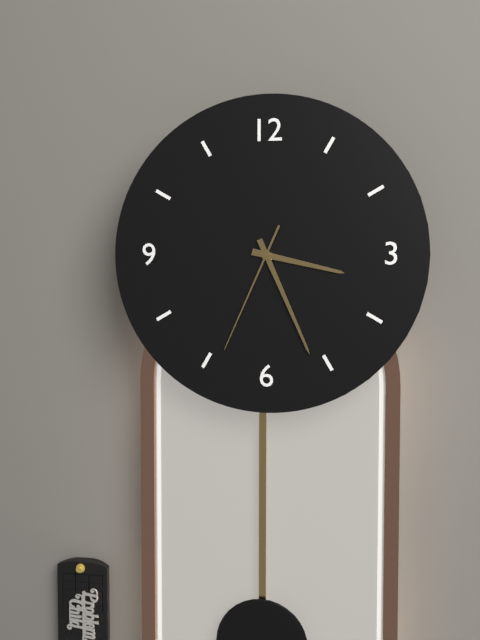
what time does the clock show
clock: 3:26:34
